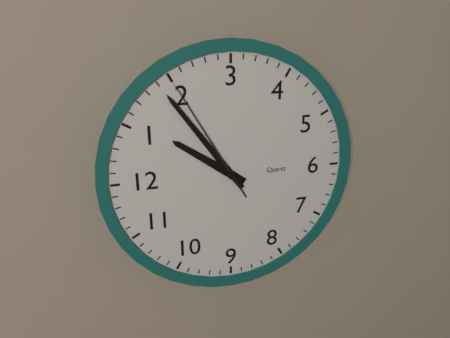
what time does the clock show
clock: 1:09:10
